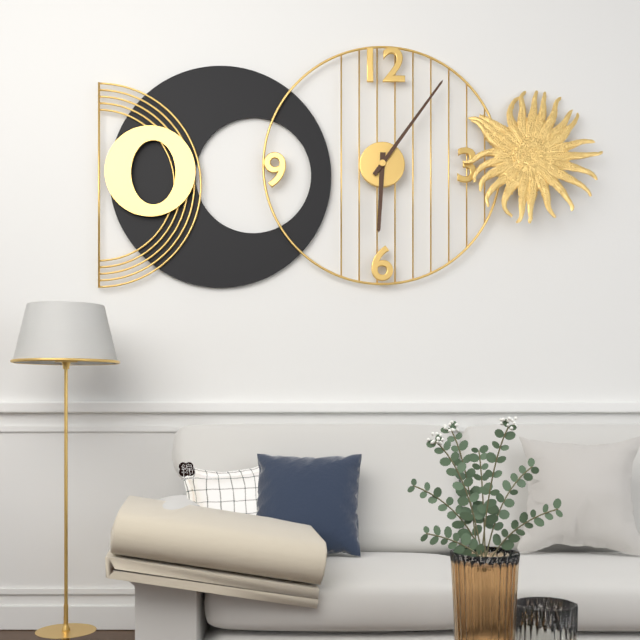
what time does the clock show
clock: 6:06
